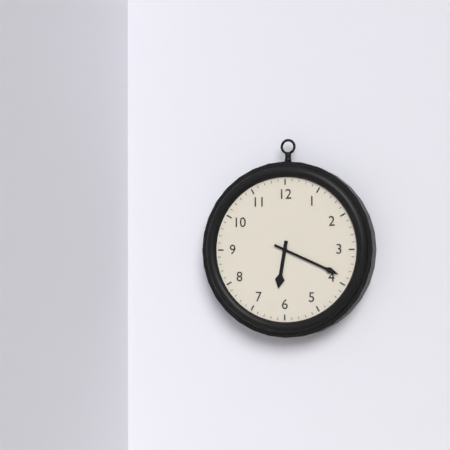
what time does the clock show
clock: 6:19
